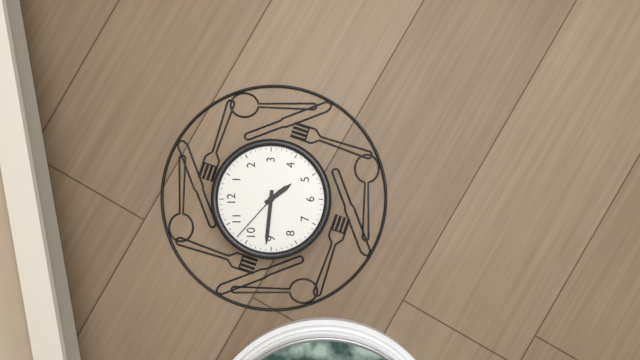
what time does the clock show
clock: 4:46:52
